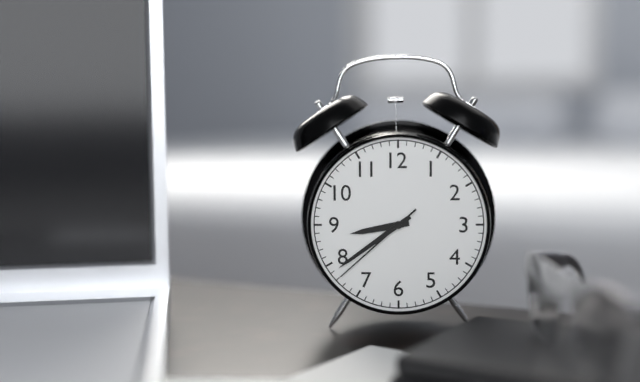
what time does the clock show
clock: 8:39:38
